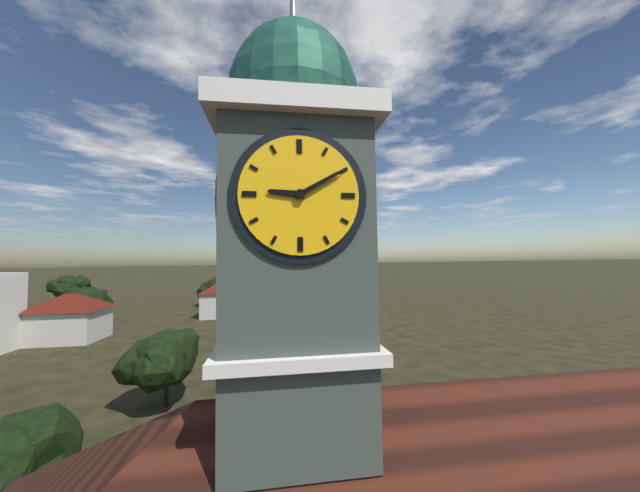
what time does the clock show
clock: 9:10
